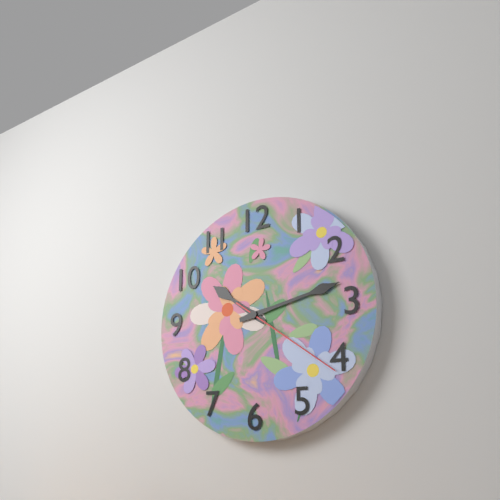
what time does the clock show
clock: 10:13:21
